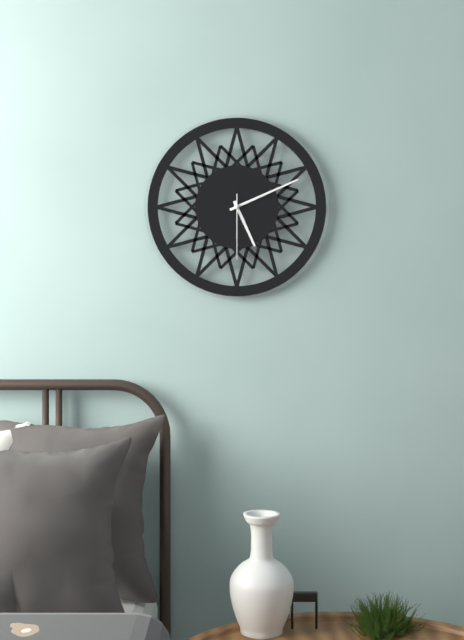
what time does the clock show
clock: 5:11:30
